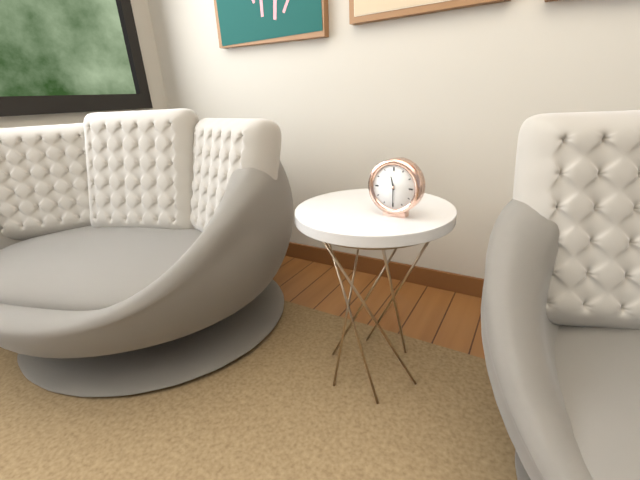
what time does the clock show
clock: 11:30
